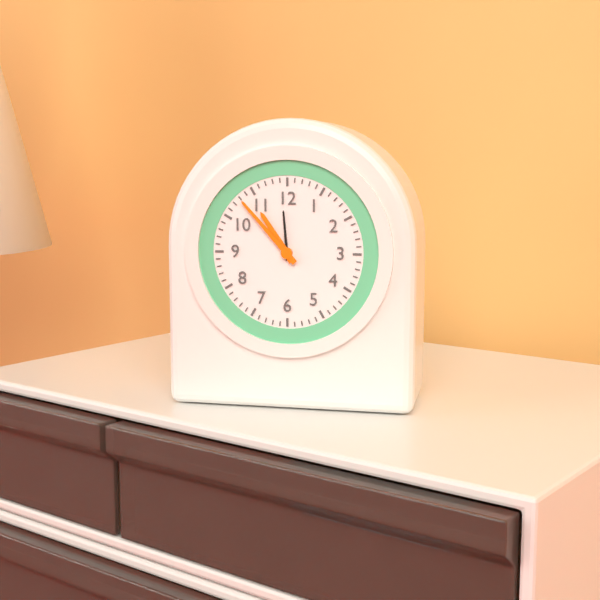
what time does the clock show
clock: 10:53
